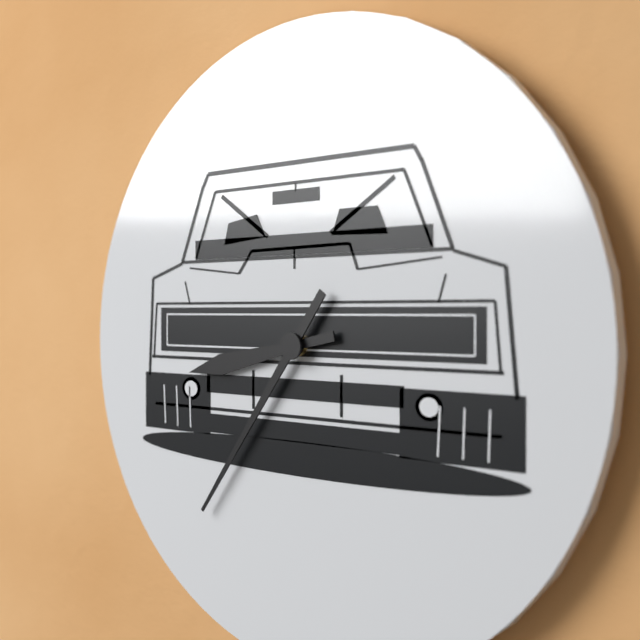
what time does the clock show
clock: 8:36
